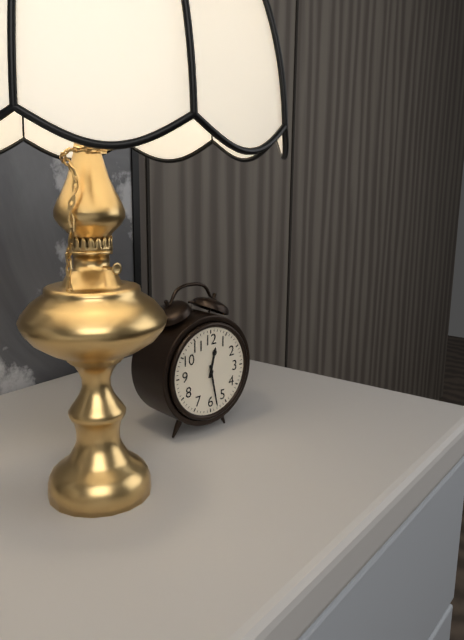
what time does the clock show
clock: 12:28
